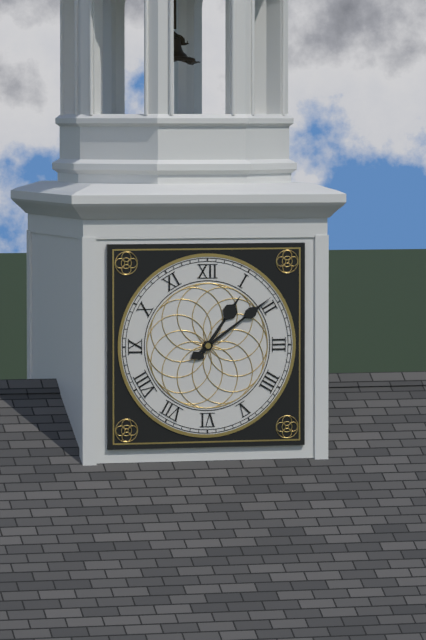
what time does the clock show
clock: 1:09
